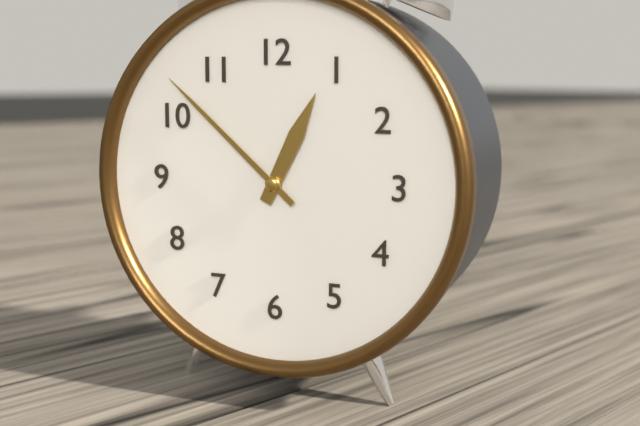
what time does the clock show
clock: 12:52
